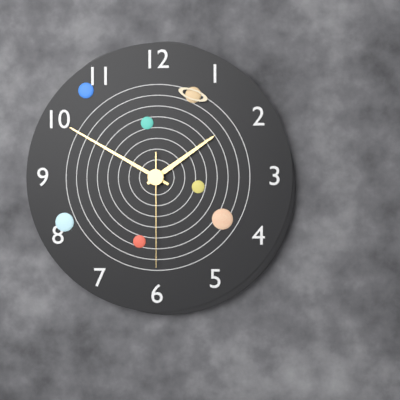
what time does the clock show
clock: 1:50:30
